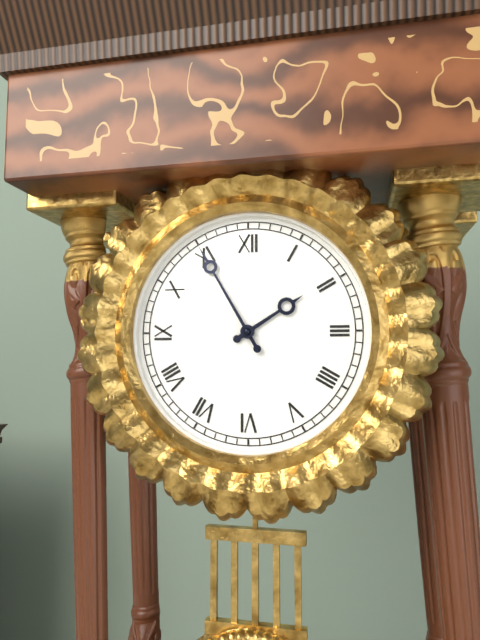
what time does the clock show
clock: 1:55
